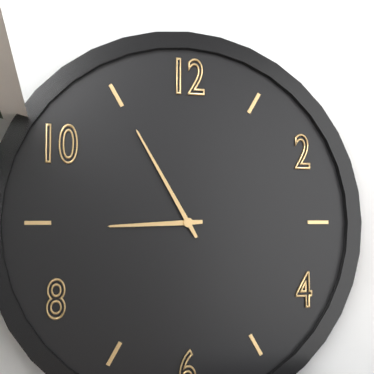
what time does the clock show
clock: 8:55
